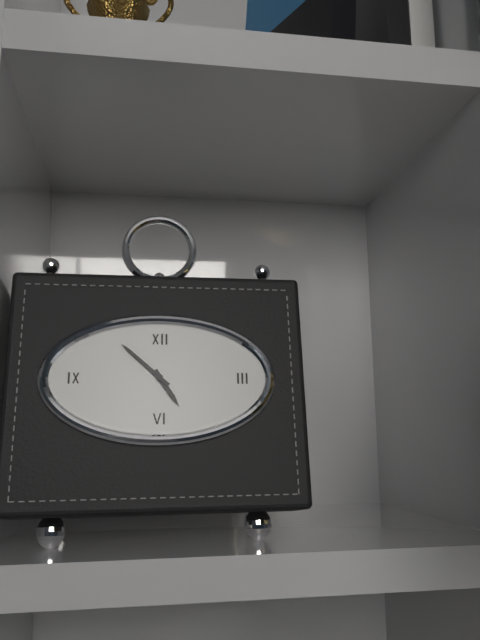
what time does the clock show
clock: 4:52
